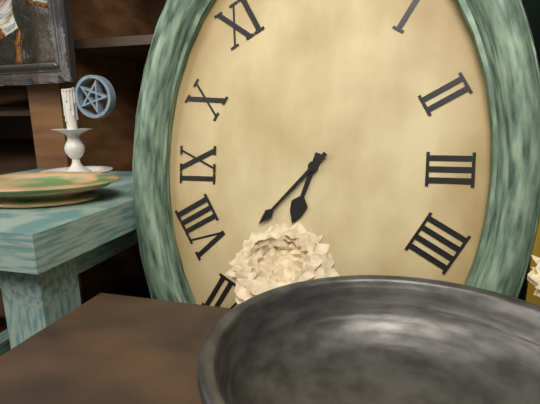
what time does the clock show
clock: 6:37
